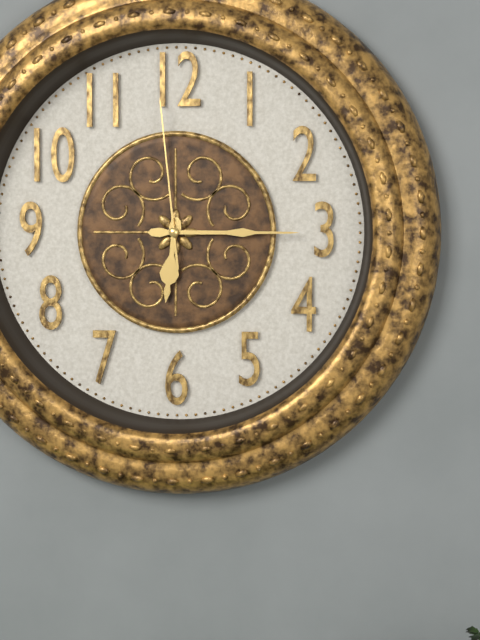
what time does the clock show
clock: 6:15:59
